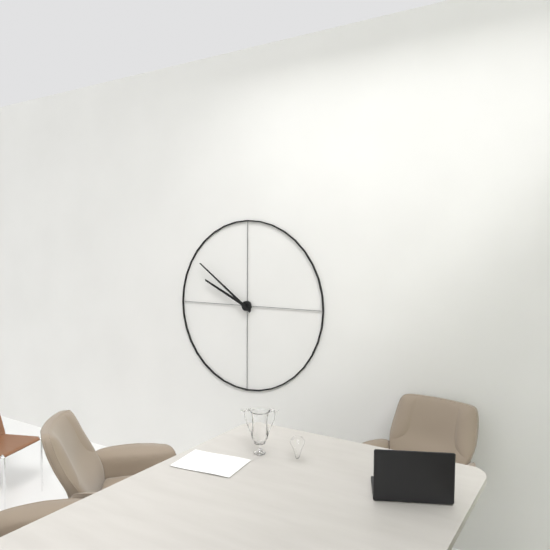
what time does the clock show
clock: 9:51
